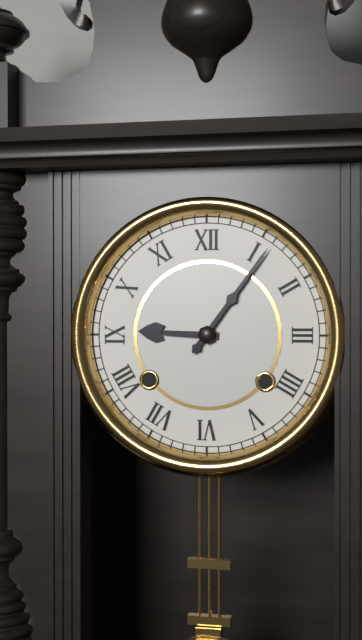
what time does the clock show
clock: 9:06
